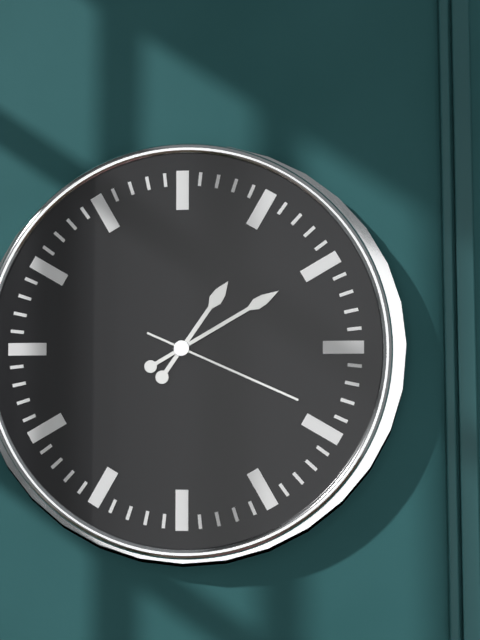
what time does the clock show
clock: 1:10:19
